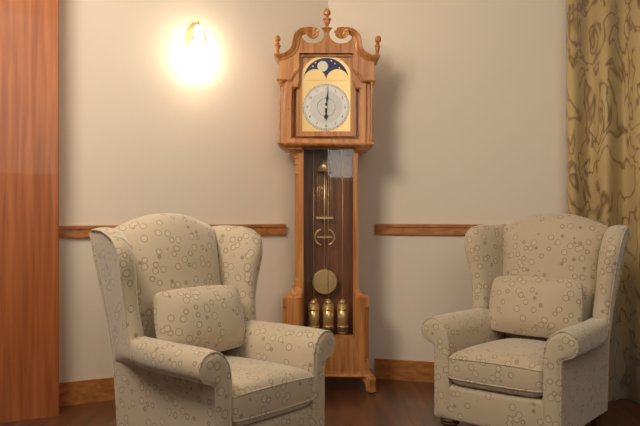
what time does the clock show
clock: 6:01
